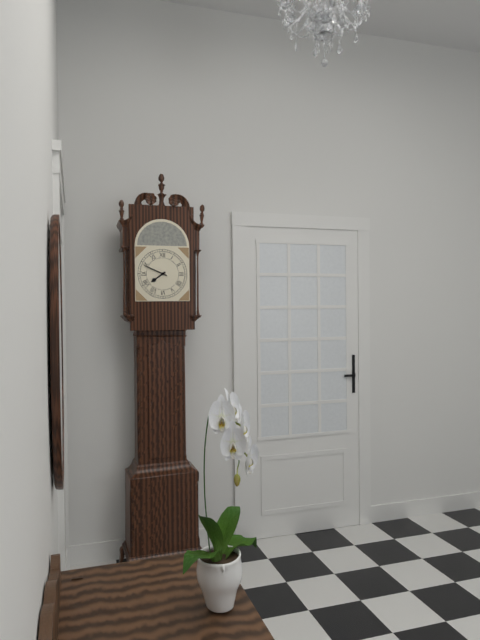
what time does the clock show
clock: 7:49
